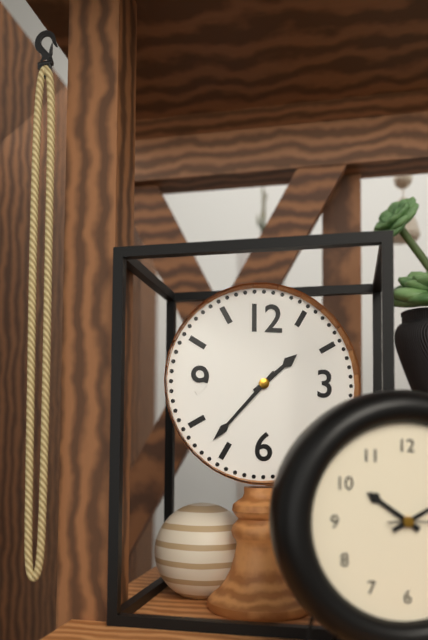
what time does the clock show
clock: 1:37
